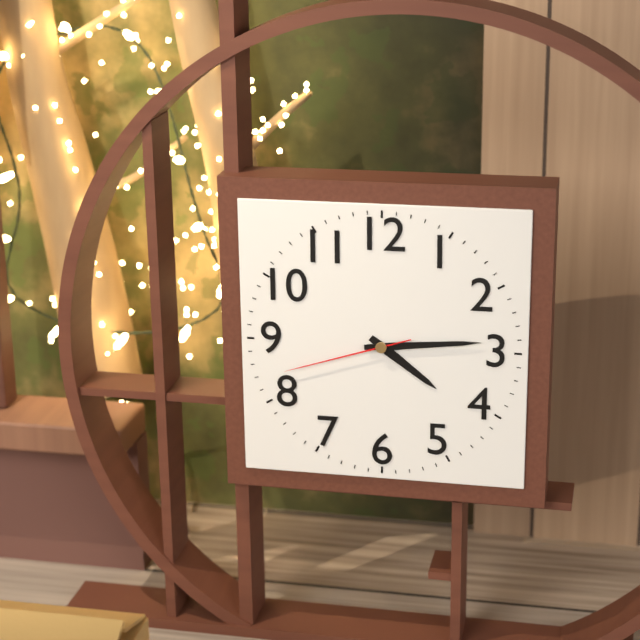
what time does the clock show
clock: 4:14:42
